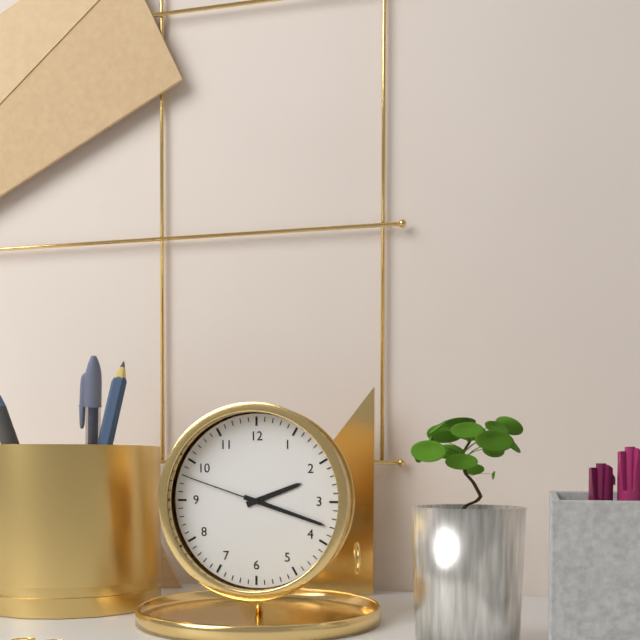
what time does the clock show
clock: 2:18:48
